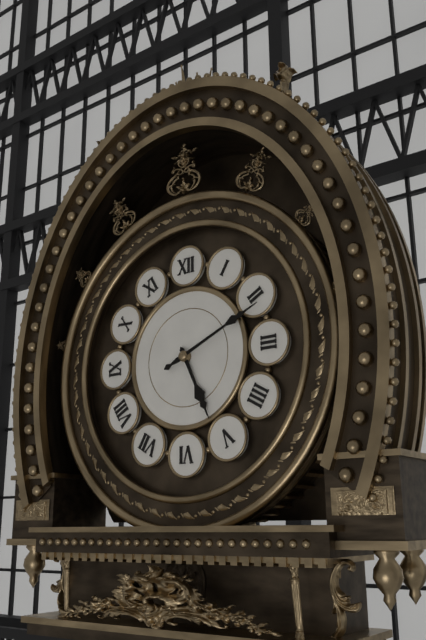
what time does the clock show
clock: 5:11
